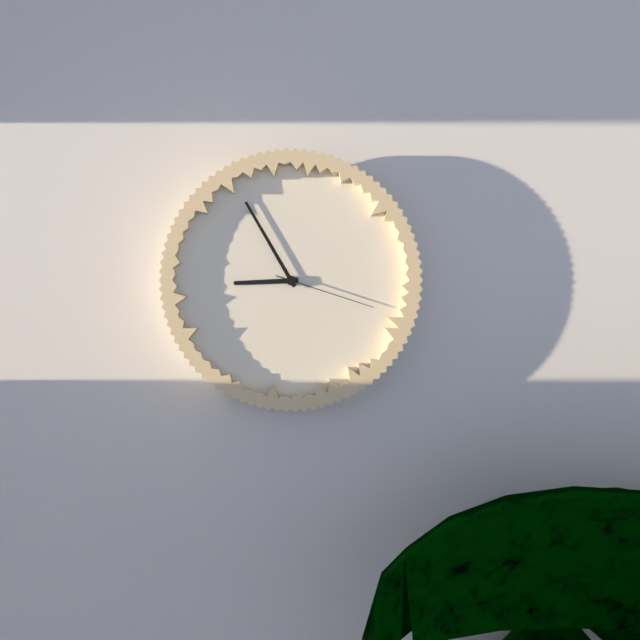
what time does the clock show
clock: 8:55:18
